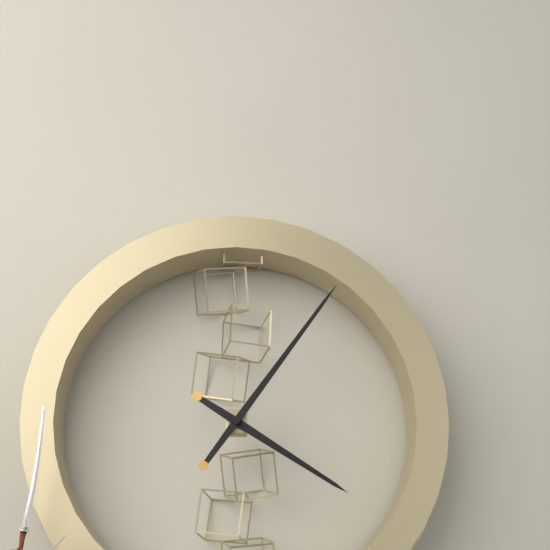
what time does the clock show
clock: 4:06
